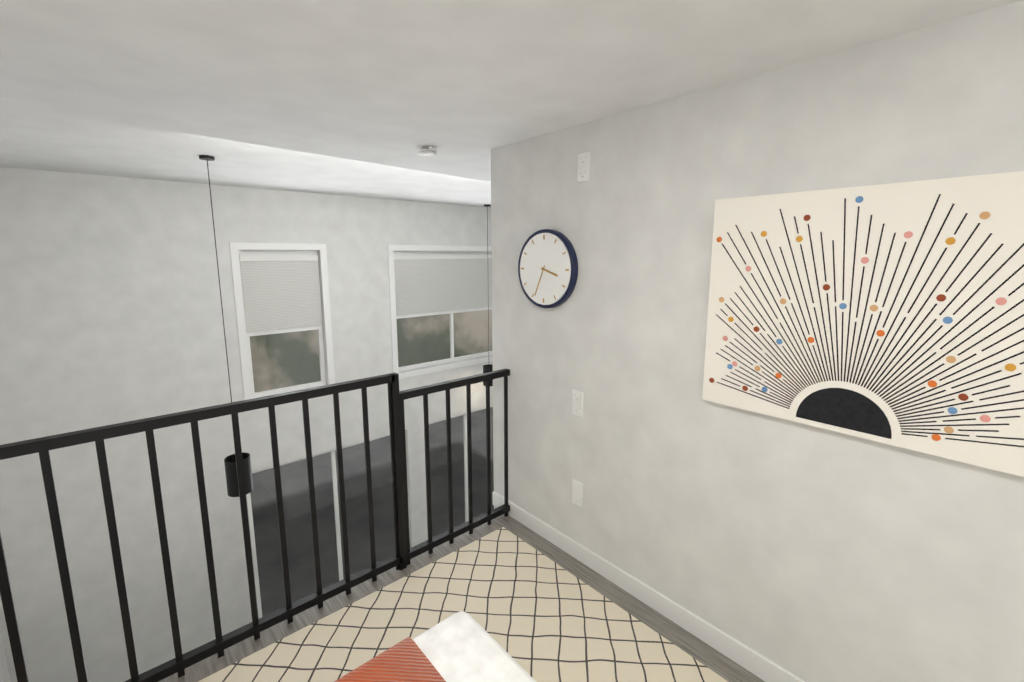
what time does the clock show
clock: 3:34
